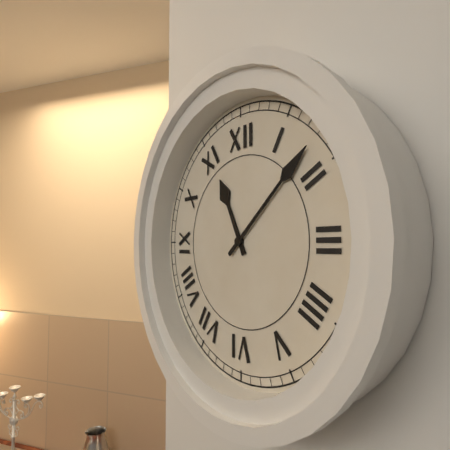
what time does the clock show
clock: 11:08
